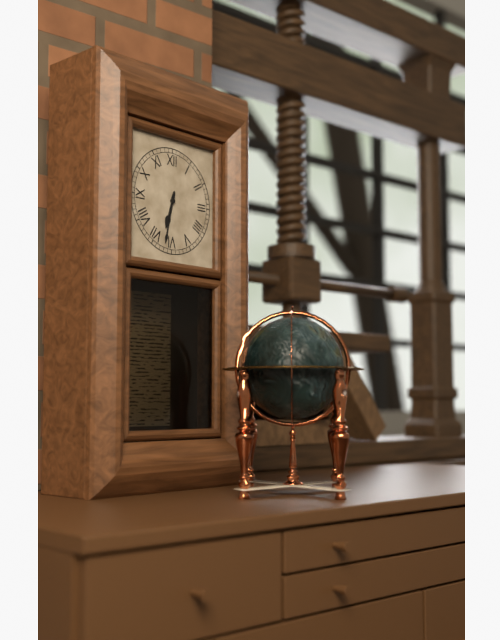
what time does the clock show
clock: 6:32
